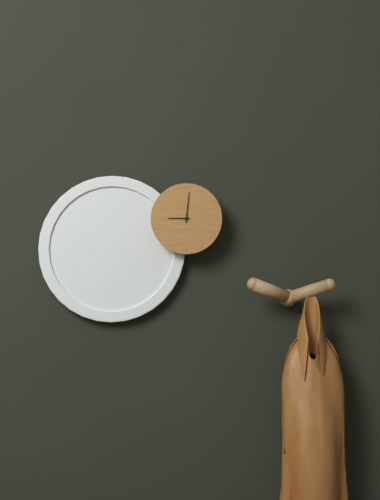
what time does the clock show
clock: 9:01
